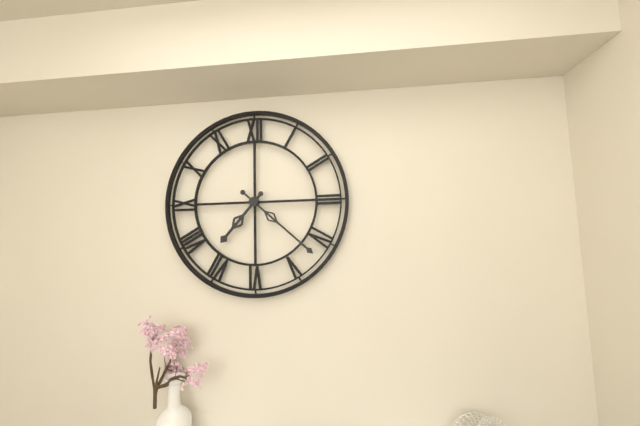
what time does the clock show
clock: 7:22
